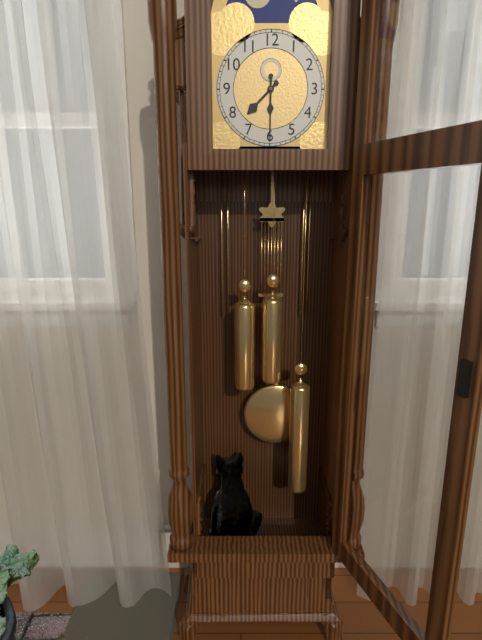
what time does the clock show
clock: 7:30
